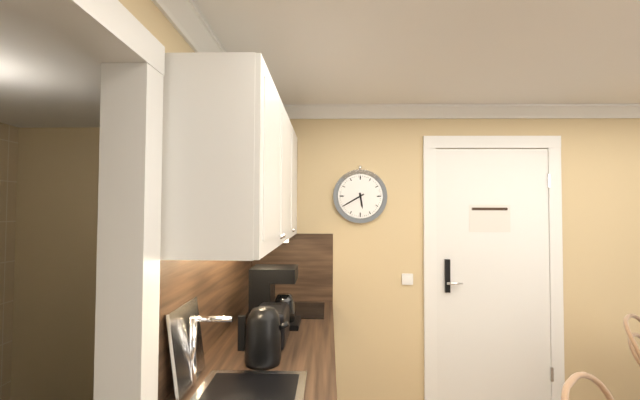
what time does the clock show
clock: 5:40
